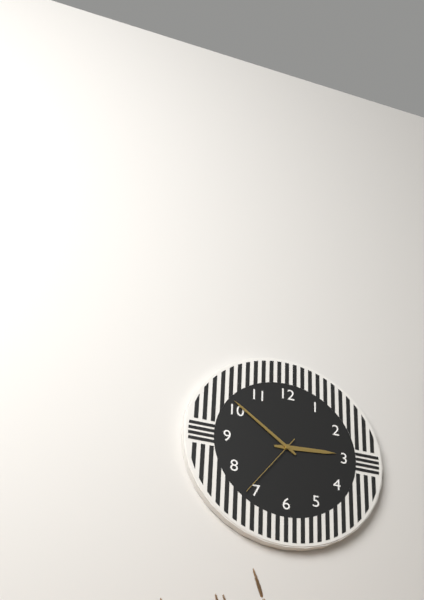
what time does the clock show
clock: 2:51:36
